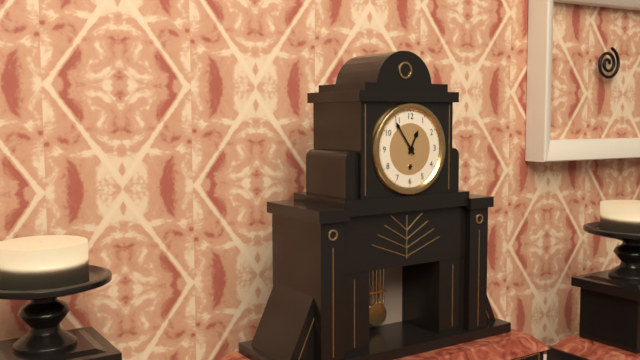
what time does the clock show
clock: 12:54
